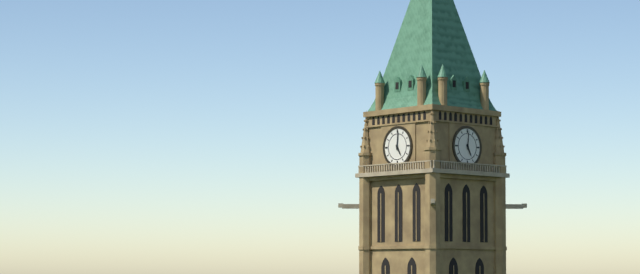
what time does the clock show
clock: 5:01
